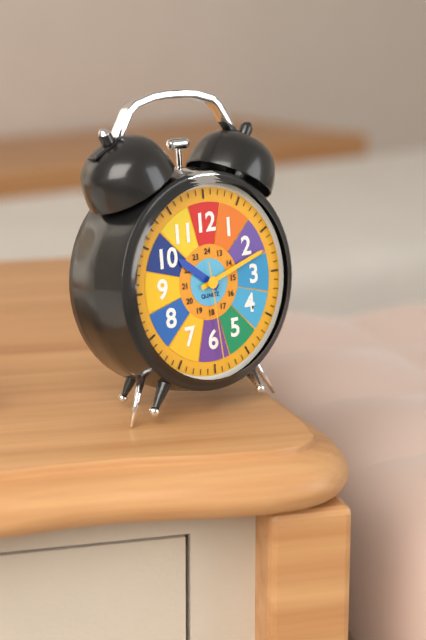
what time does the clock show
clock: 10:12:29
